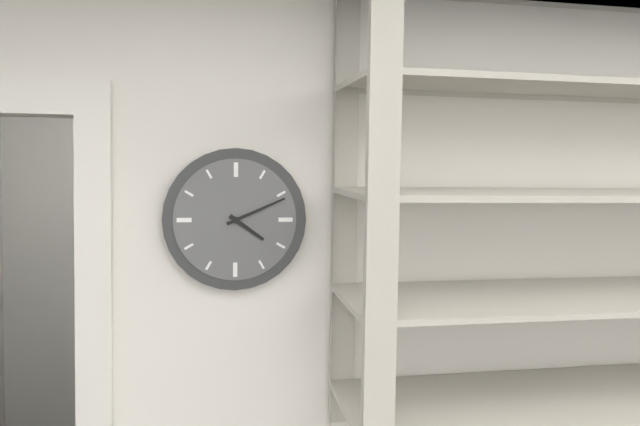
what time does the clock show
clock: 4:11
